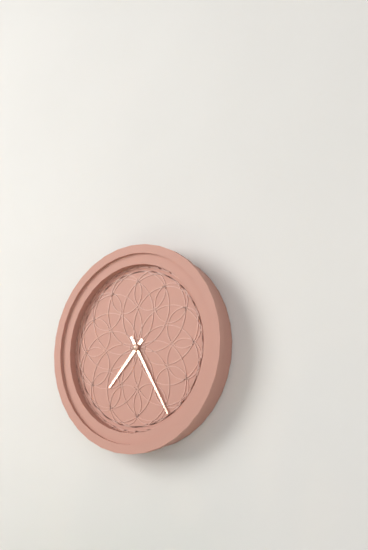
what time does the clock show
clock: 7:25
